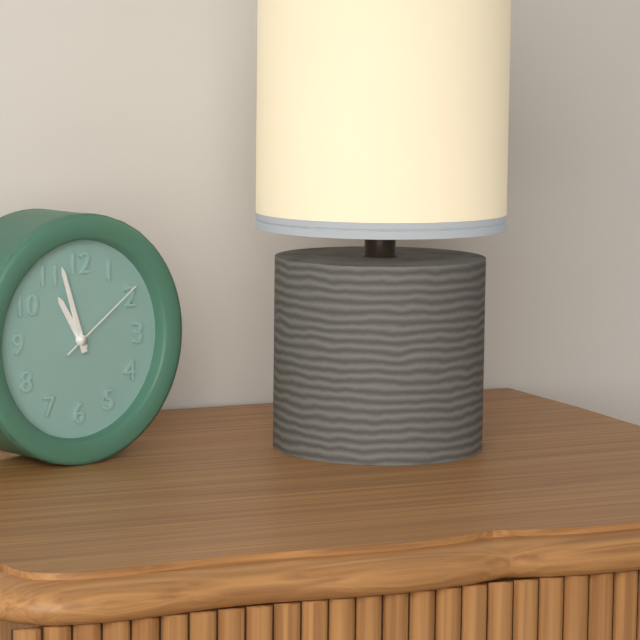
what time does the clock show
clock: 10:57:09
